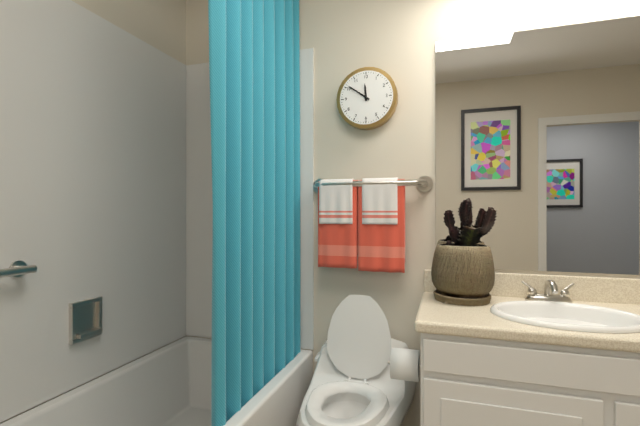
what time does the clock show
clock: 11:51
